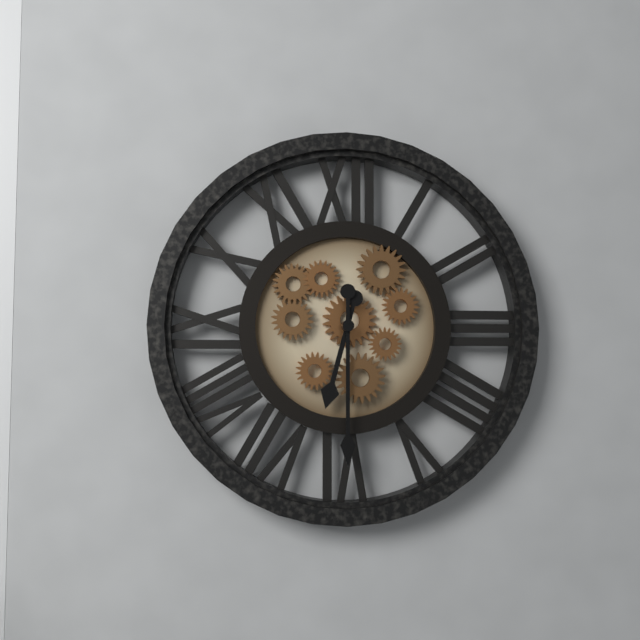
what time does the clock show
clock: 6:30
